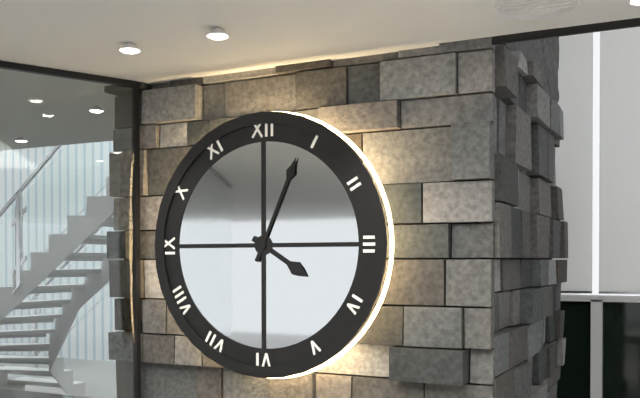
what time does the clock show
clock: 4:04
